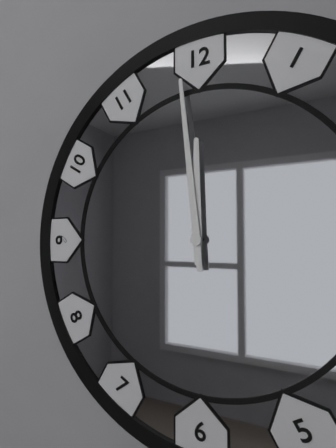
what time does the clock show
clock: 11:59
